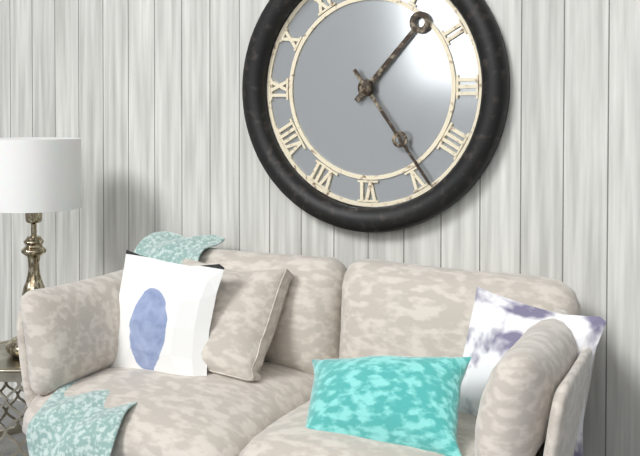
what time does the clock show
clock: 1:24
